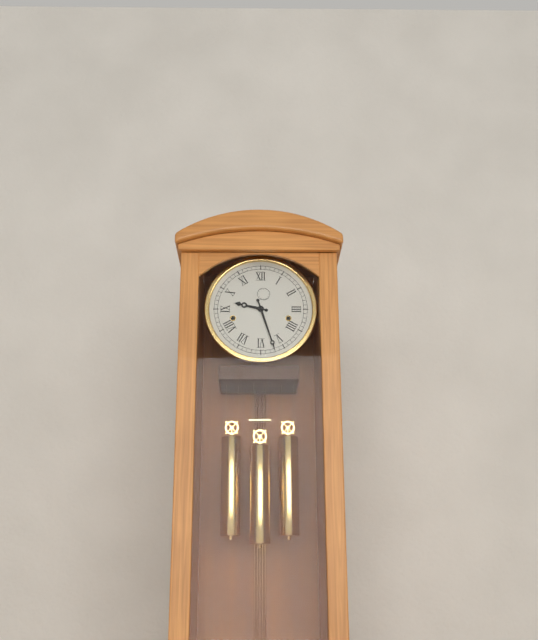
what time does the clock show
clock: 9:27
